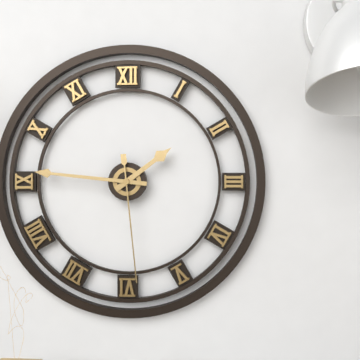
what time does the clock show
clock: 1:46:29
